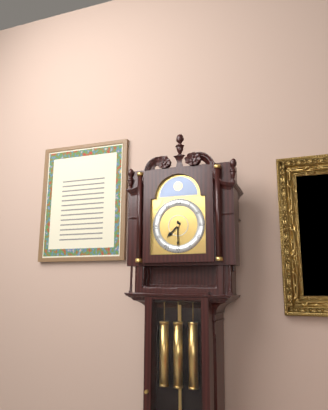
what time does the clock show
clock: 7:30
